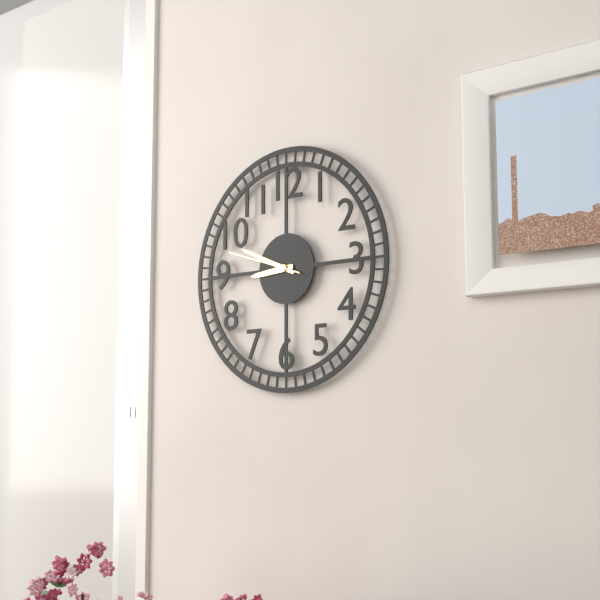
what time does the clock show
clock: 8:49:48
